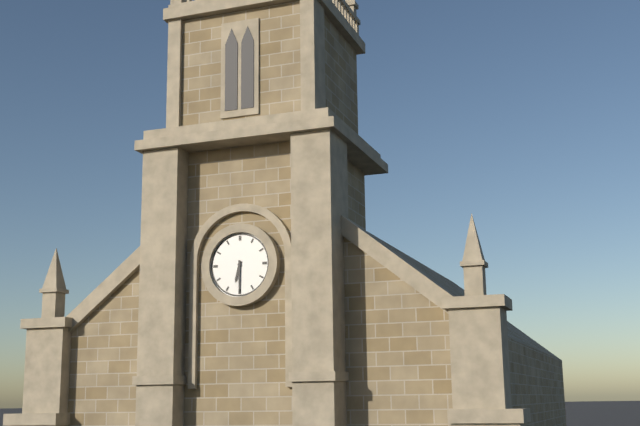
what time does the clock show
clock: 6:30
